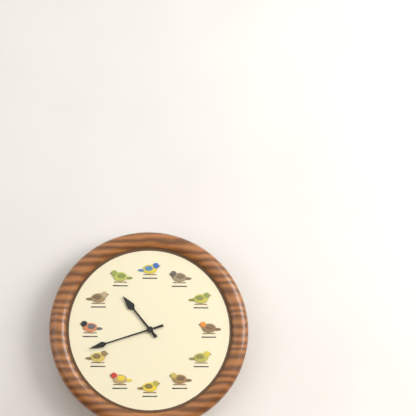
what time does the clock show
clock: 10:42
